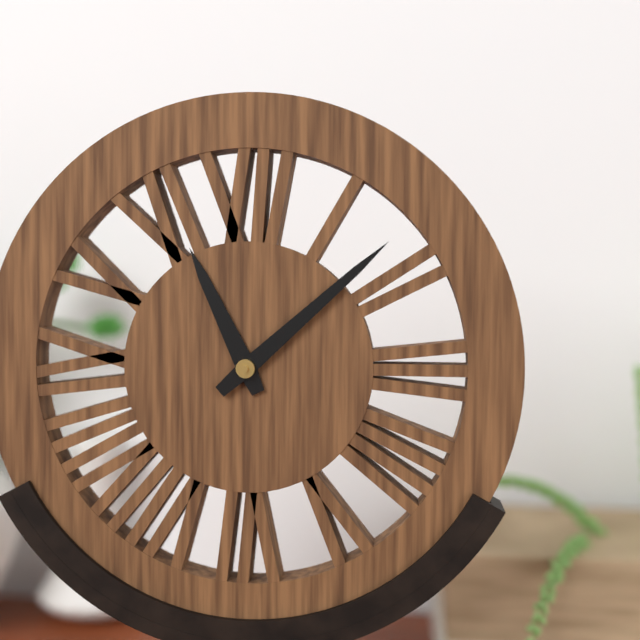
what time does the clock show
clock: 11:08
